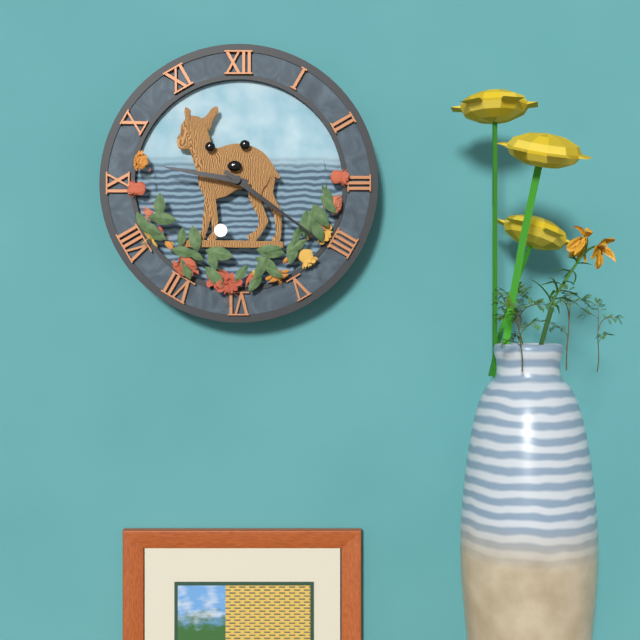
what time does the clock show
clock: 9:21
